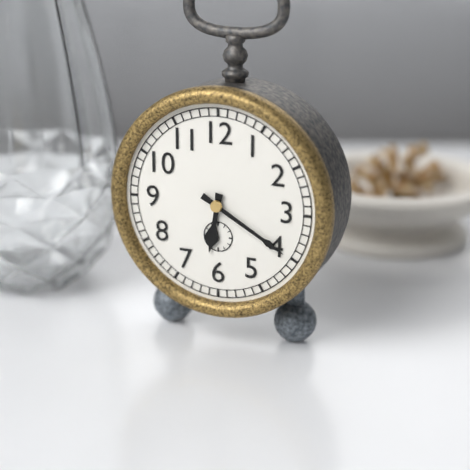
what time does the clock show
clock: 6:20
